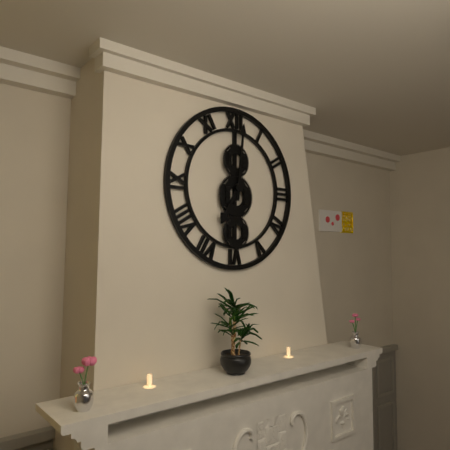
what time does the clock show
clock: 7:01
